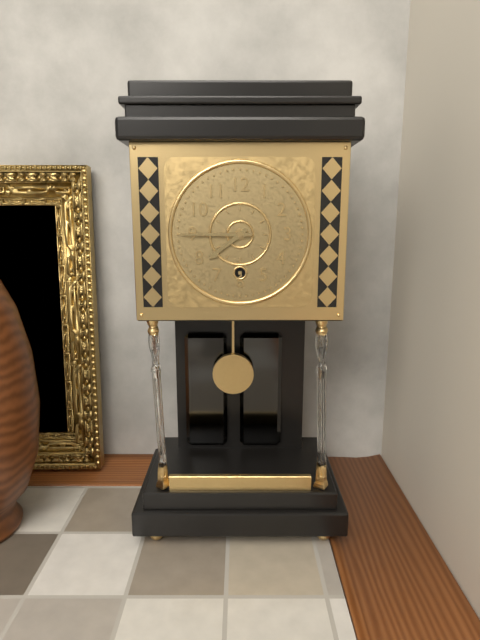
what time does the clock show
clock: 7:45
